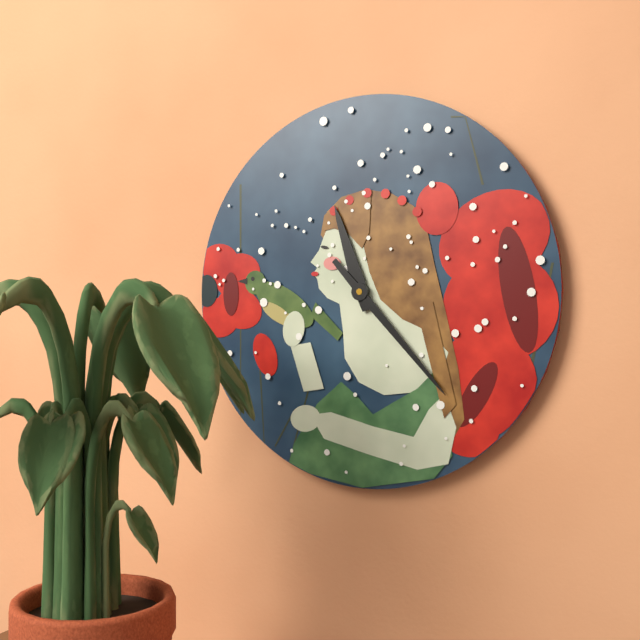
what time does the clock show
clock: 11:23
